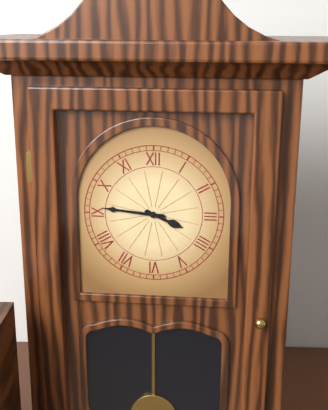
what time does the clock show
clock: 3:46
